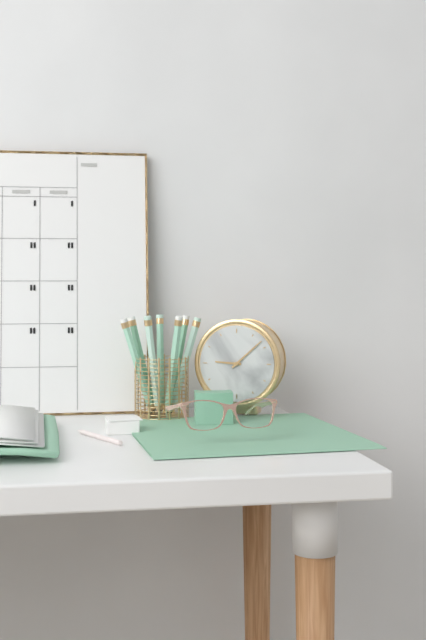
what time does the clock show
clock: 9:08
